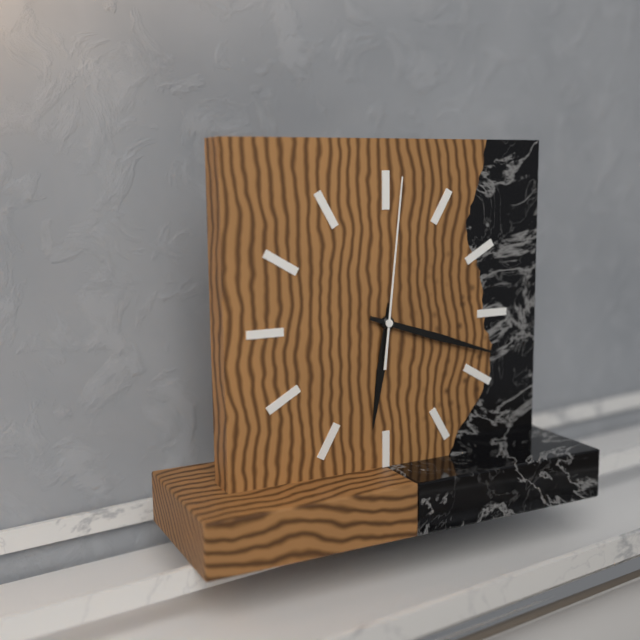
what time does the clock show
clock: 6:18:01
